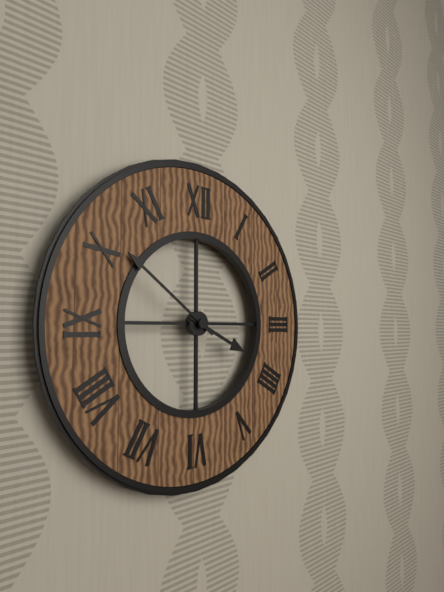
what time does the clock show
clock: 3:51
